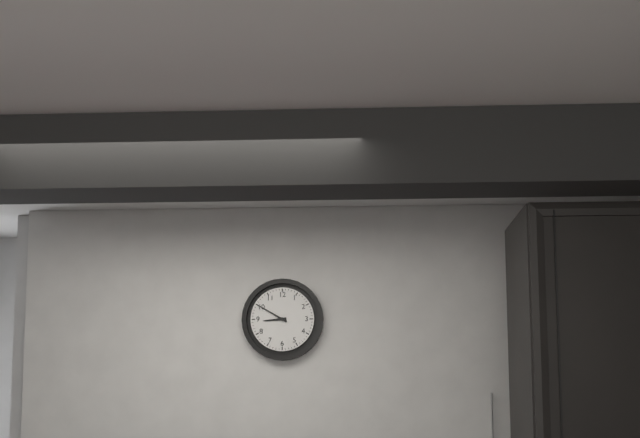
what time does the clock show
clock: 8:50
